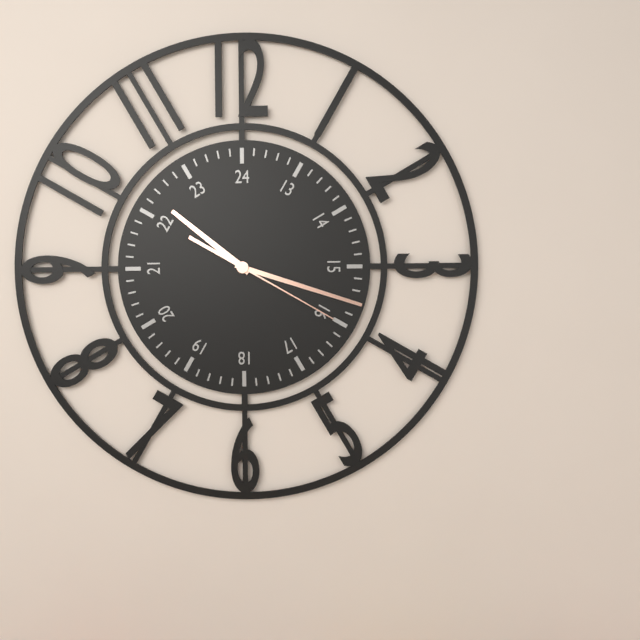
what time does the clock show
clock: 10:18:20
